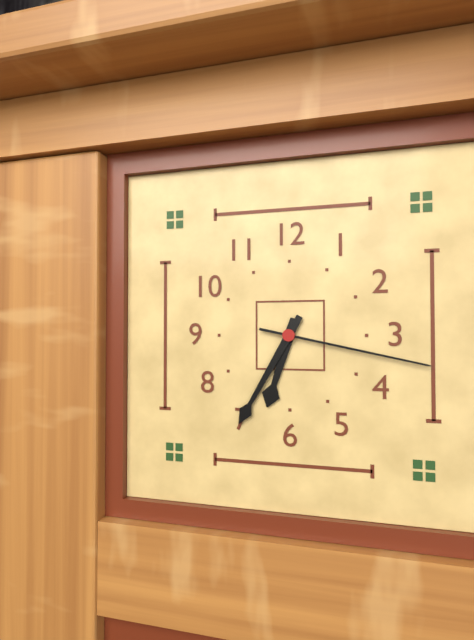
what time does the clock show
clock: 6:35:17
